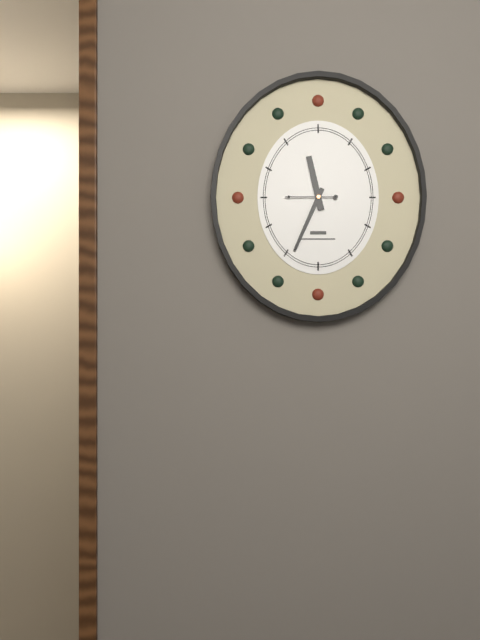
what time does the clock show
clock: 11:34
